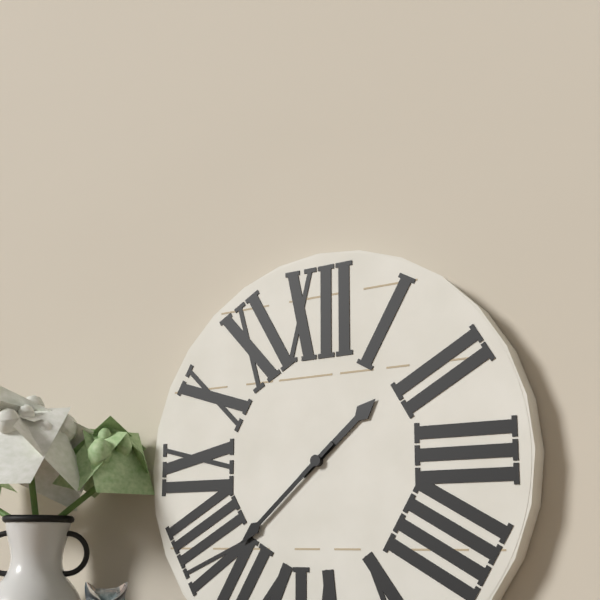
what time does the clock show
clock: 1:38
